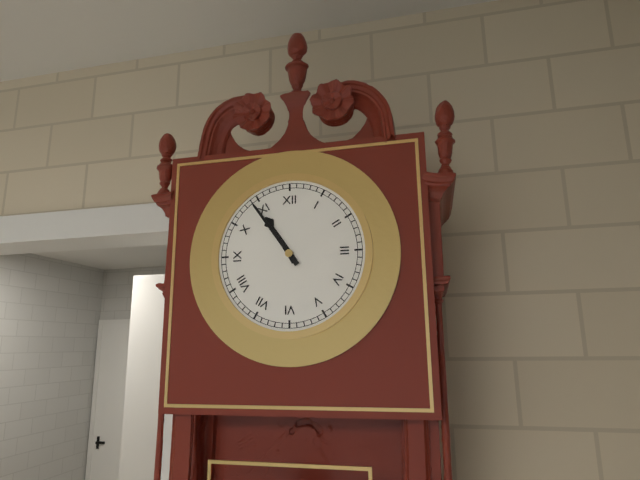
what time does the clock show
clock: 10:54
